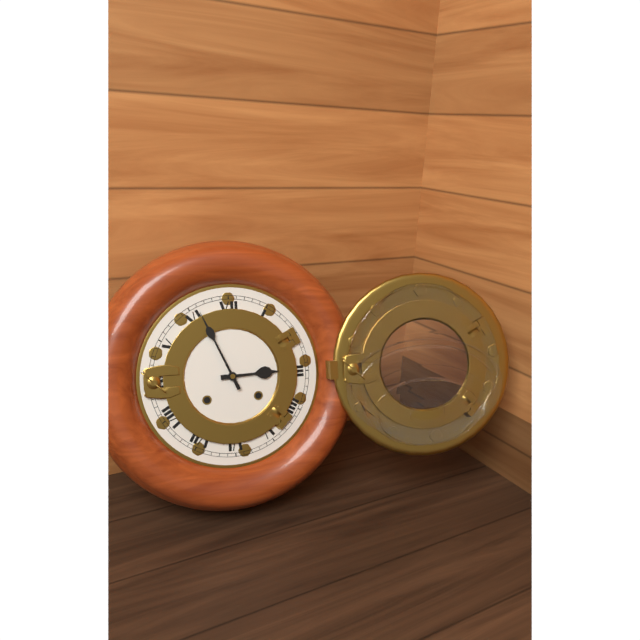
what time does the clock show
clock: 2:56
